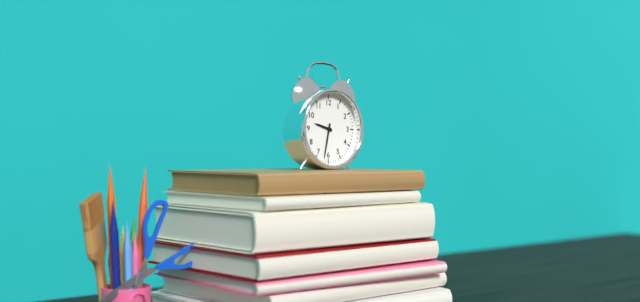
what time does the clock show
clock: 9:32
